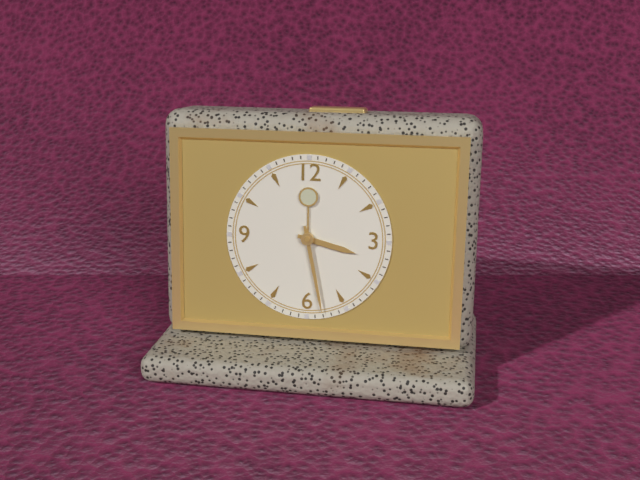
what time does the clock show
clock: 3:28
